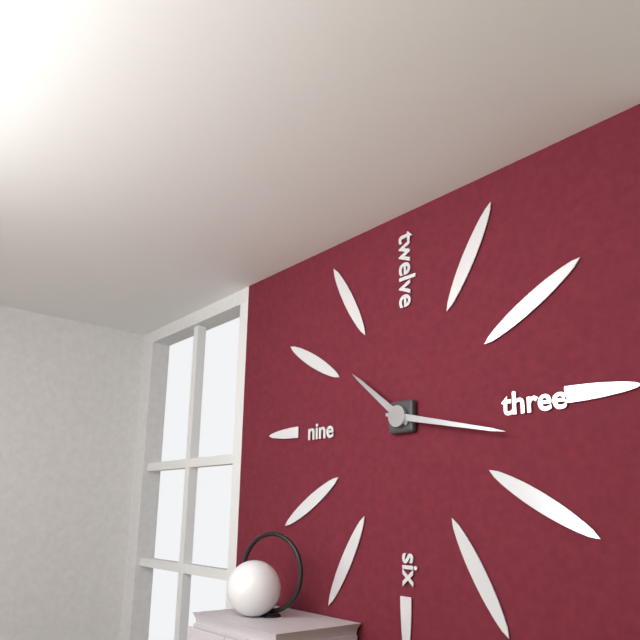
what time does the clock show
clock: 10:17
